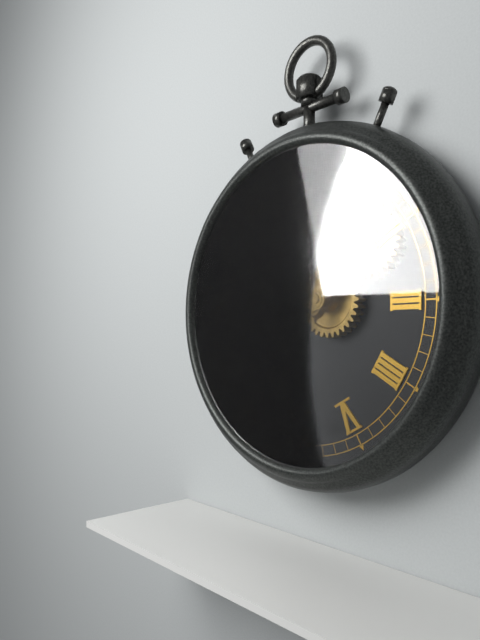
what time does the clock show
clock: 9:54:54
